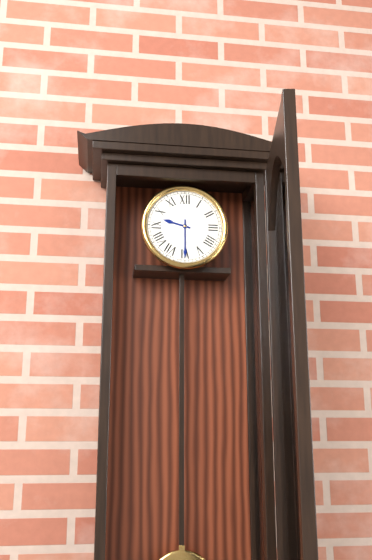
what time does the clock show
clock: 9:30
